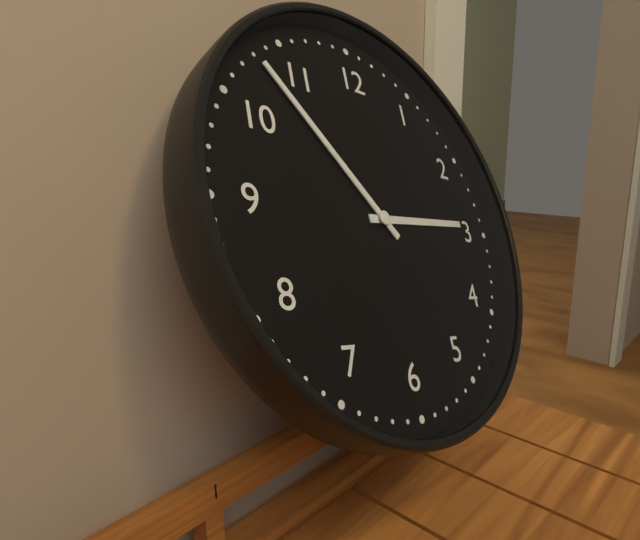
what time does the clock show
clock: 2:53
